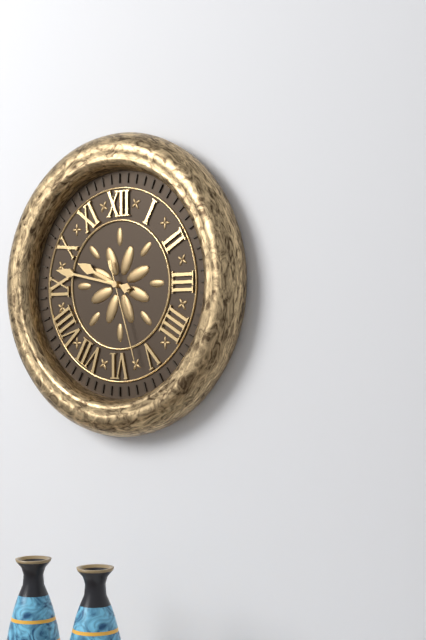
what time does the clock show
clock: 9:47:27
